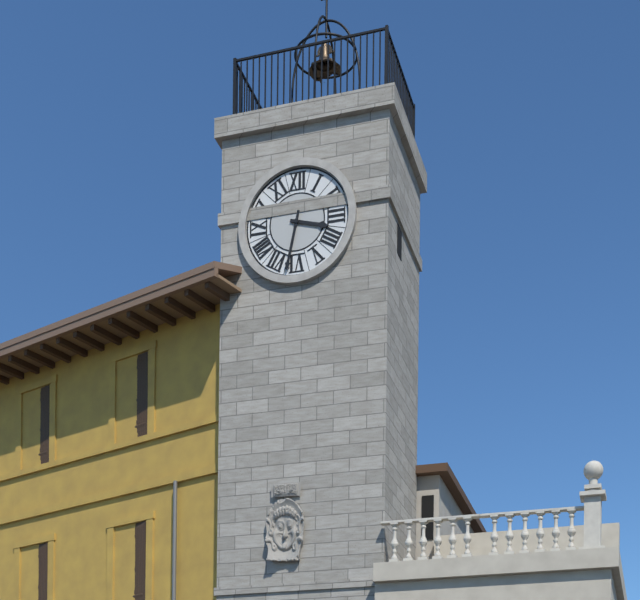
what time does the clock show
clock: 3:32
